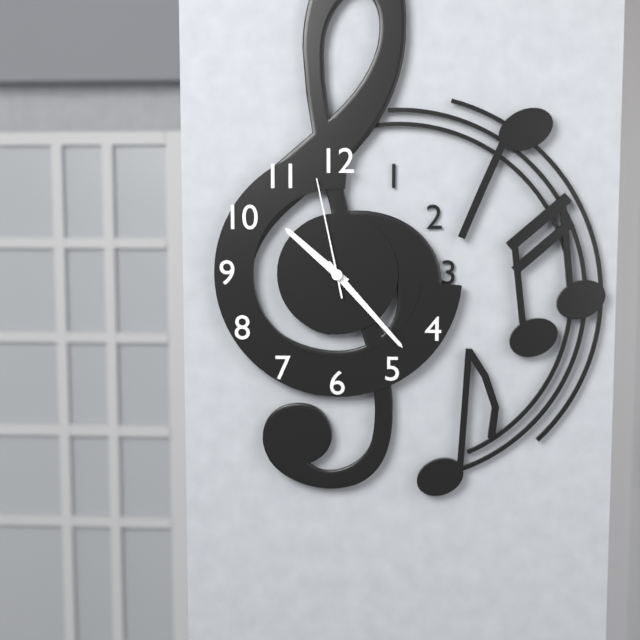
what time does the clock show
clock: 10:23:58
